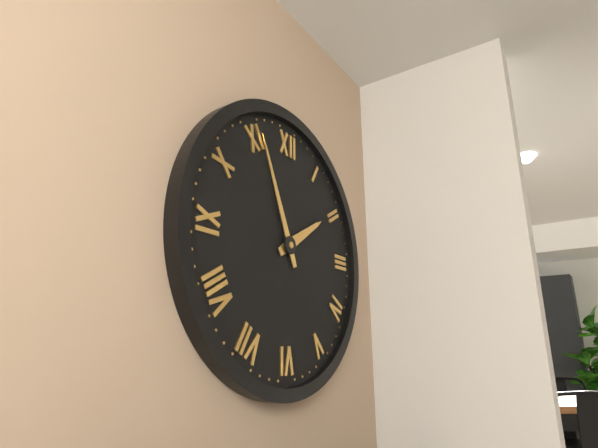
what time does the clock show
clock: 1:56
